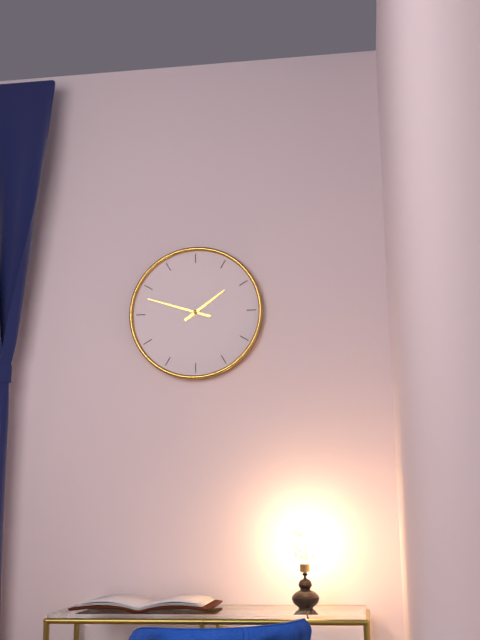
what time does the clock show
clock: 1:48
